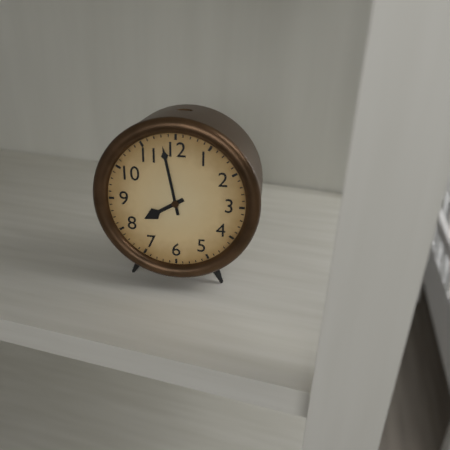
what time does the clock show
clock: 7:58
